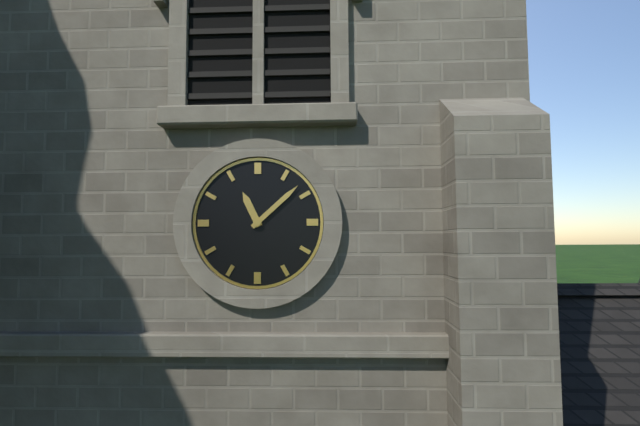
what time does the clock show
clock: 11:08
